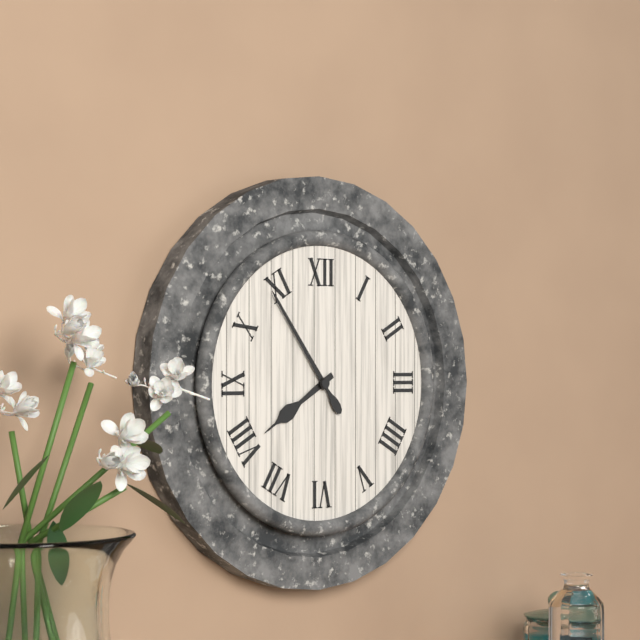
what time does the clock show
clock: 7:54
